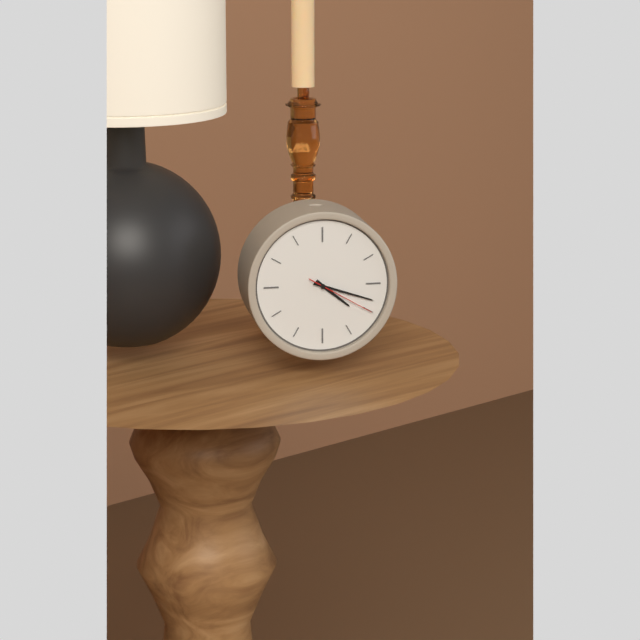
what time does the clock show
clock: 4:18:20
